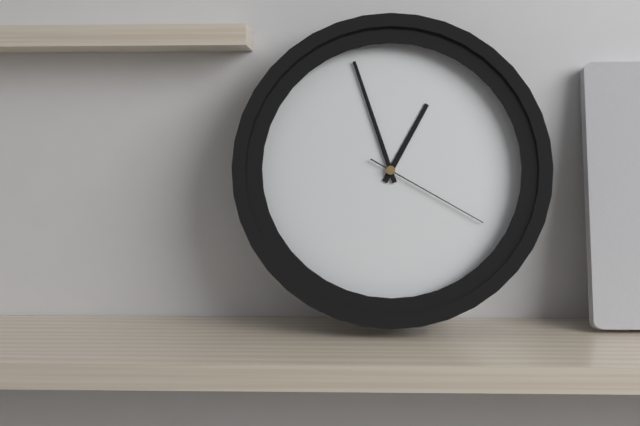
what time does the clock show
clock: 12:57:20
